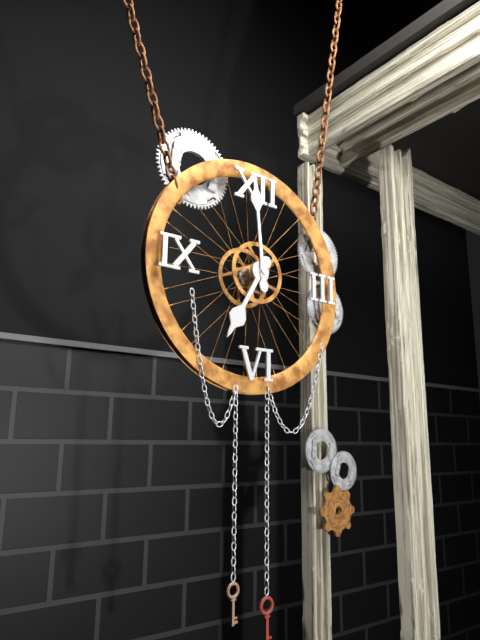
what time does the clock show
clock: 6:59
